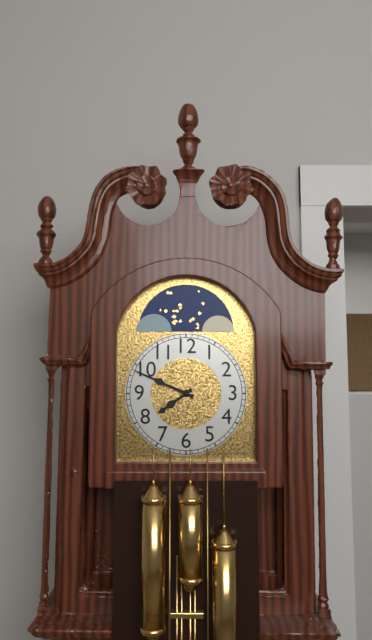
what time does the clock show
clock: 7:49
